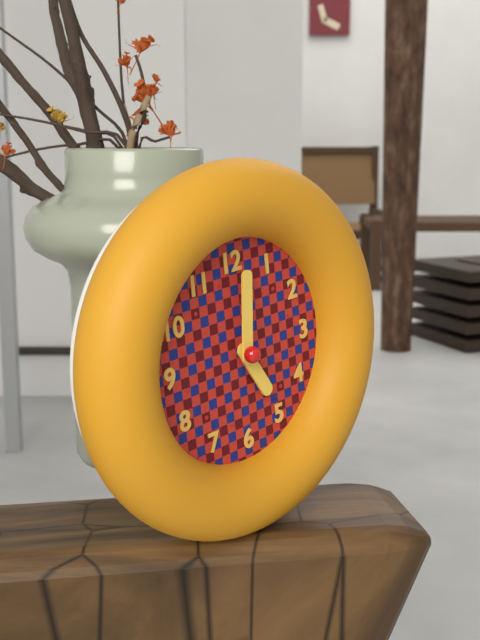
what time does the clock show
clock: 5:01
